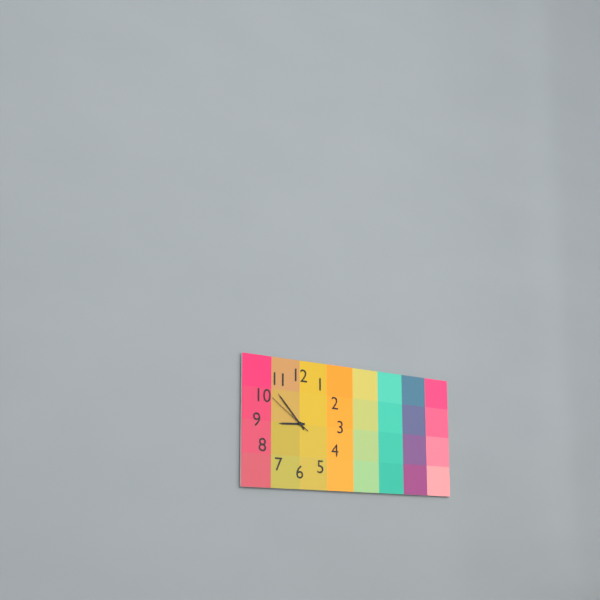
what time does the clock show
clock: 8:53
